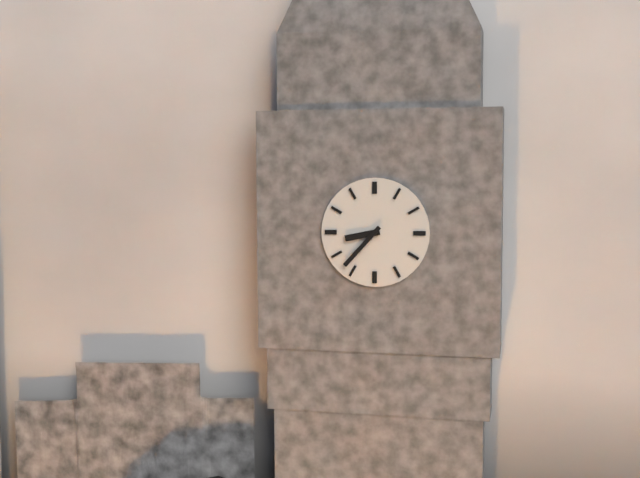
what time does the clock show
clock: 8:37
